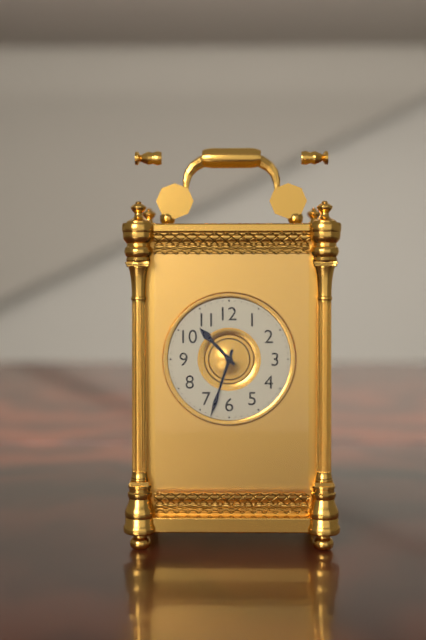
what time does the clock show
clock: 10:33
